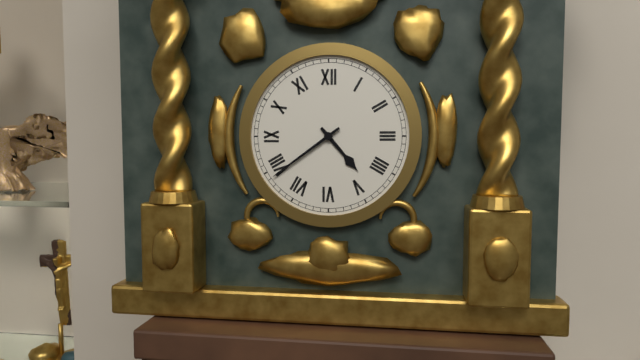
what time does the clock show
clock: 4:39
